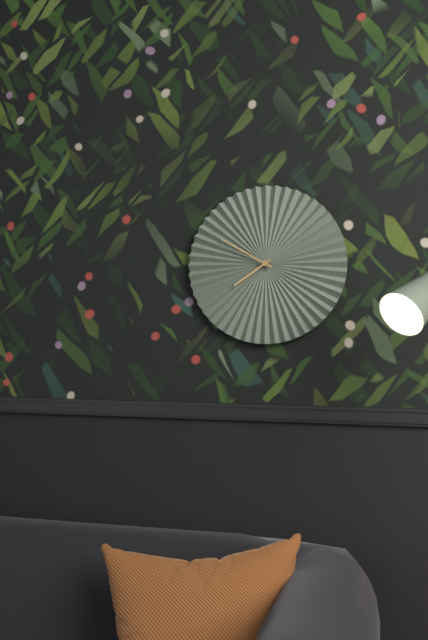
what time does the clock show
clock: 7:50
